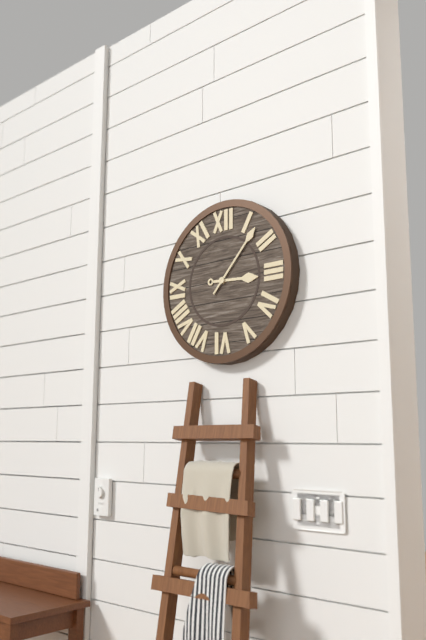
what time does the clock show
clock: 3:07
